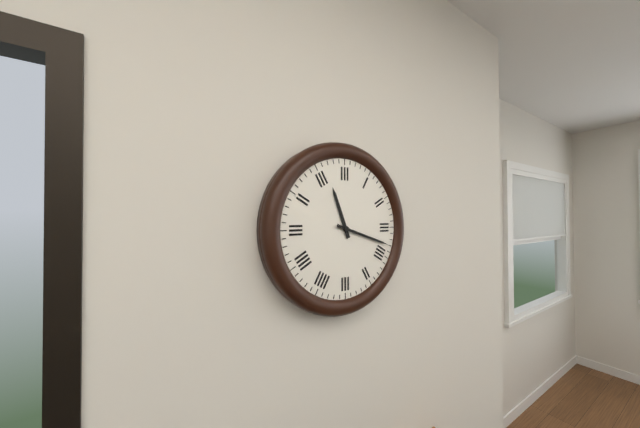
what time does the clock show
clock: 11:18
